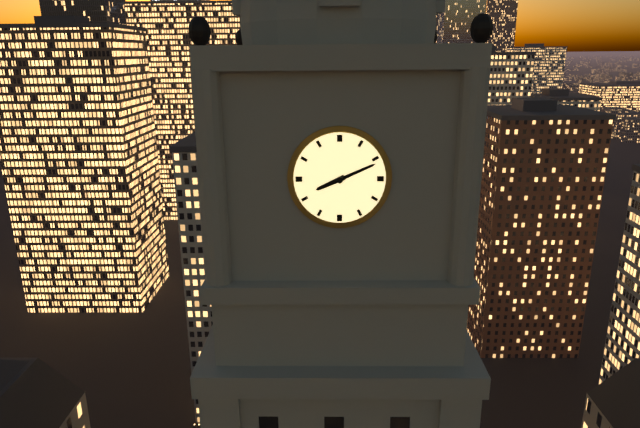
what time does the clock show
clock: 8:11
